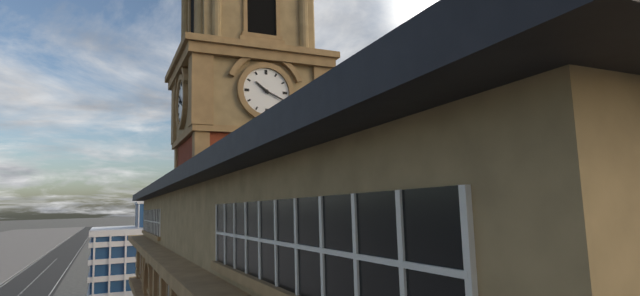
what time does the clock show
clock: 10:19
